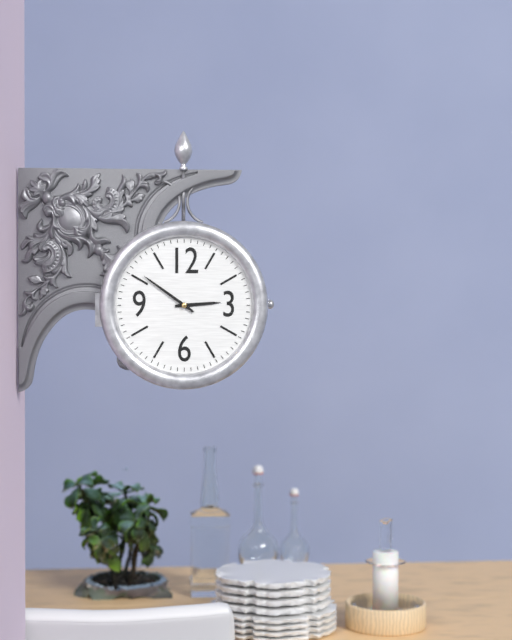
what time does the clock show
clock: 2:51
